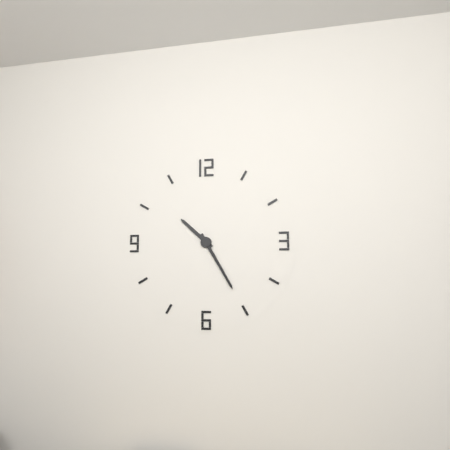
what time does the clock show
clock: 10:25
